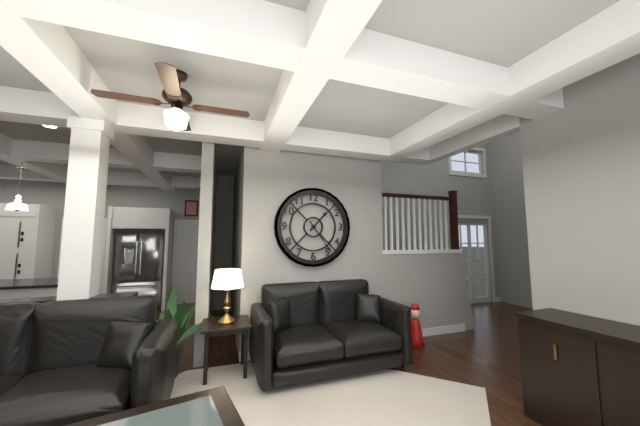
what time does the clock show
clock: 1:24
